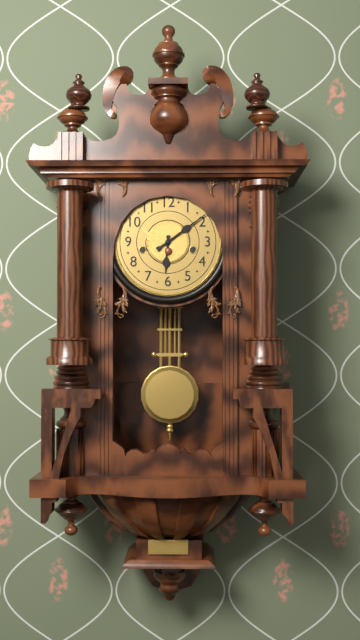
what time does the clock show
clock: 6:09
